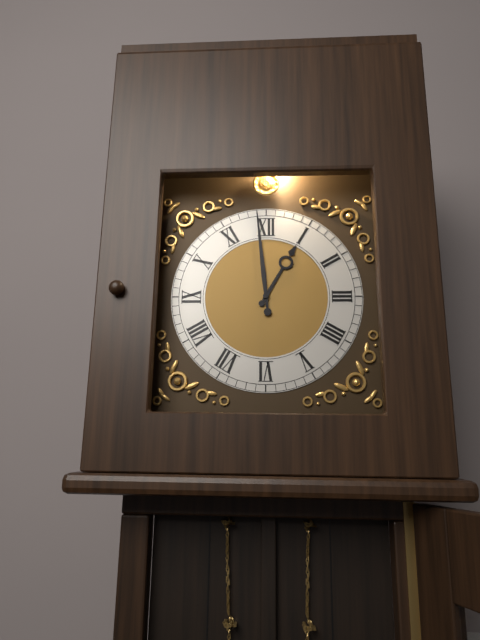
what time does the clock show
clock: 12:59
